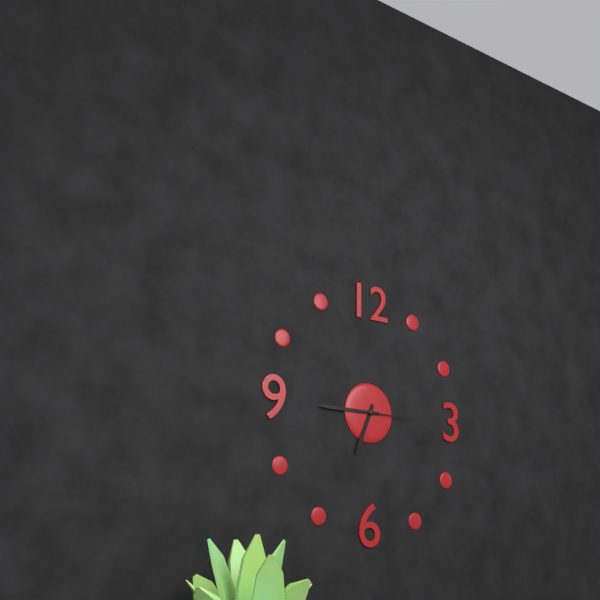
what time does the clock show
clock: 6:45:15
